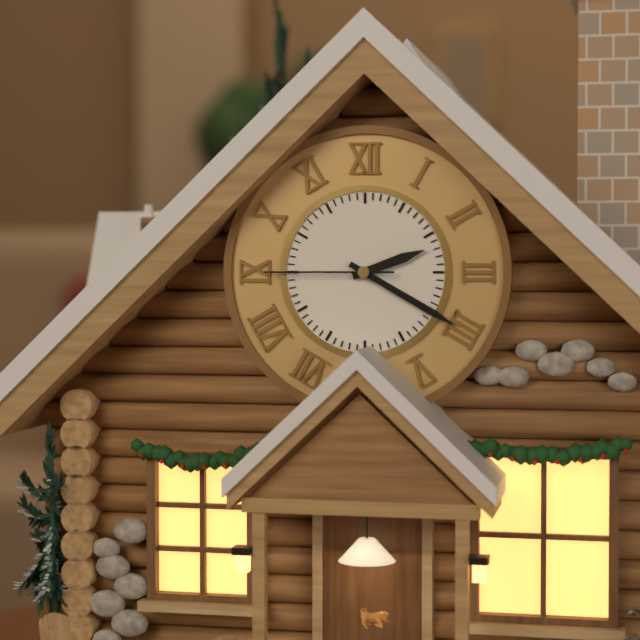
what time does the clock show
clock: 2:20:45
